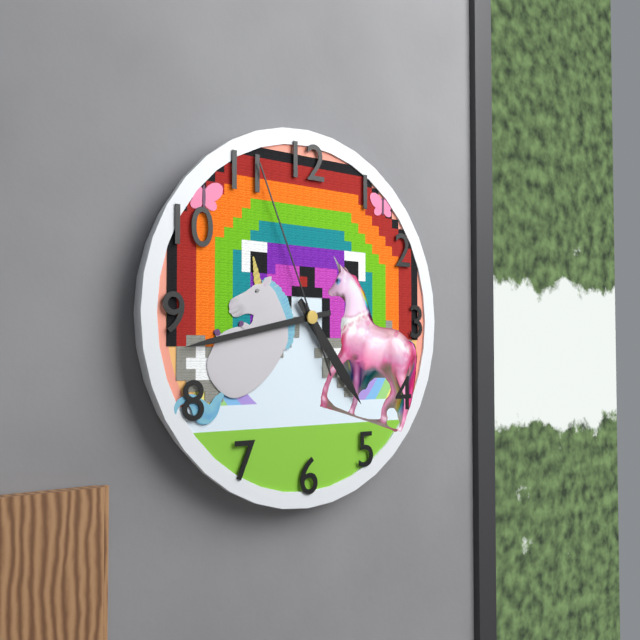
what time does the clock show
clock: 4:43:56
